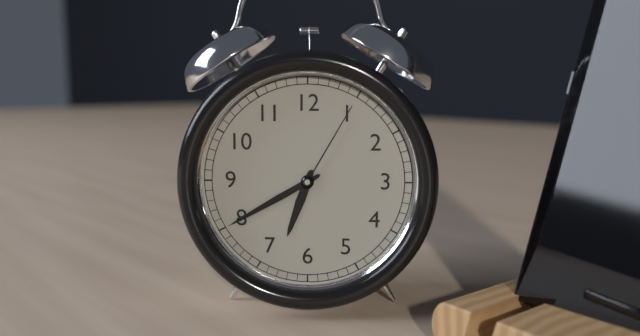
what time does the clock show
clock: 6:40:05
